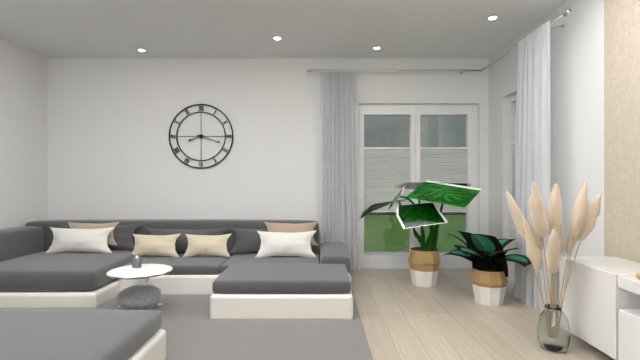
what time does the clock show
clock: 8:18
